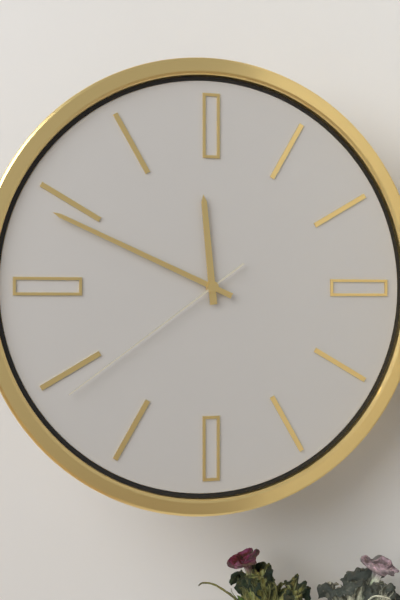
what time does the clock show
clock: 11:49:39
